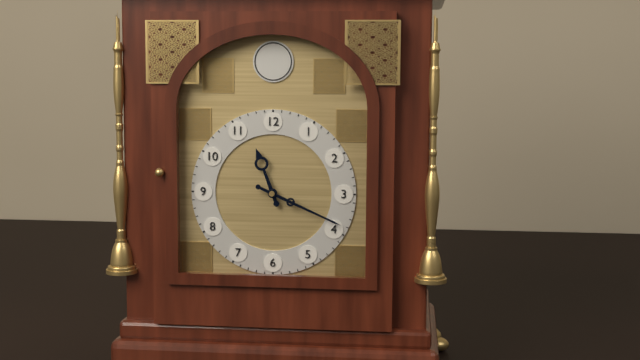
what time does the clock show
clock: 11:19
